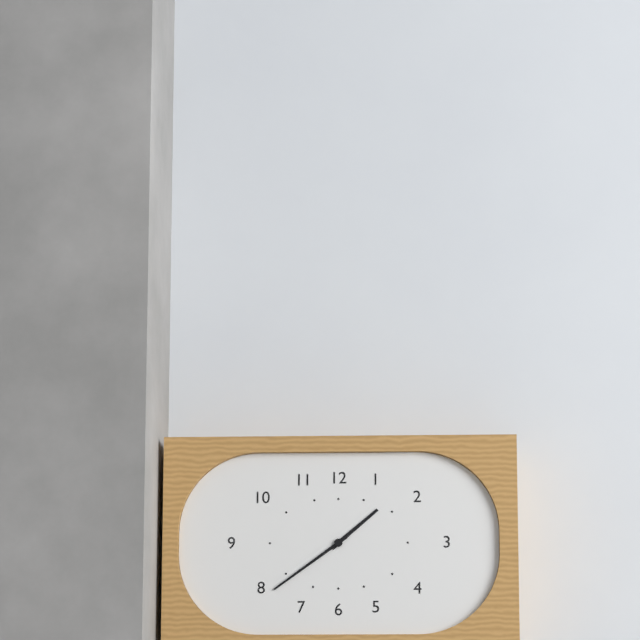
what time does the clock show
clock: 1:39
